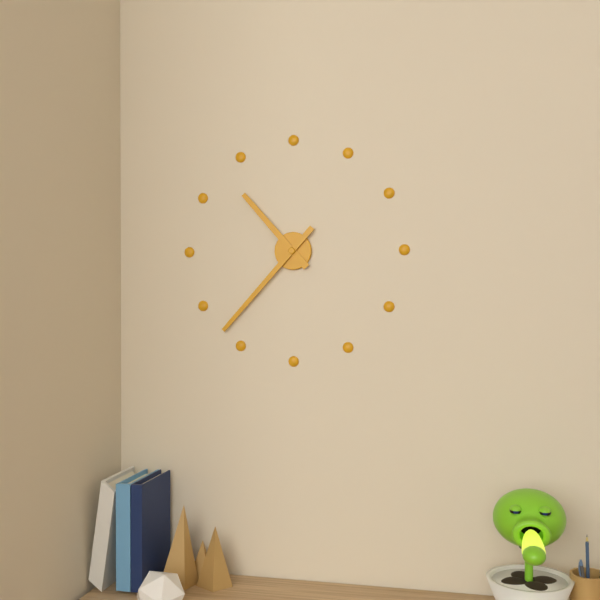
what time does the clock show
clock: 10:37
